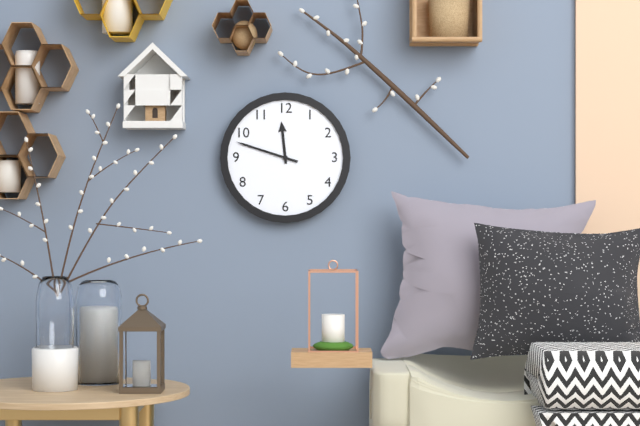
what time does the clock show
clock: 11:48
